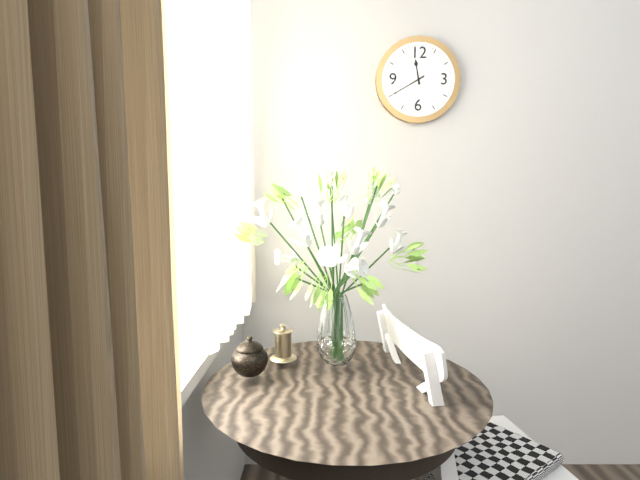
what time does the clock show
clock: 11:40
